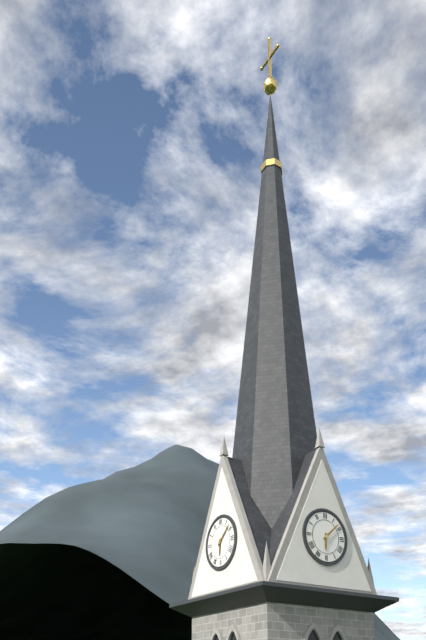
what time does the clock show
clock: 6:08
